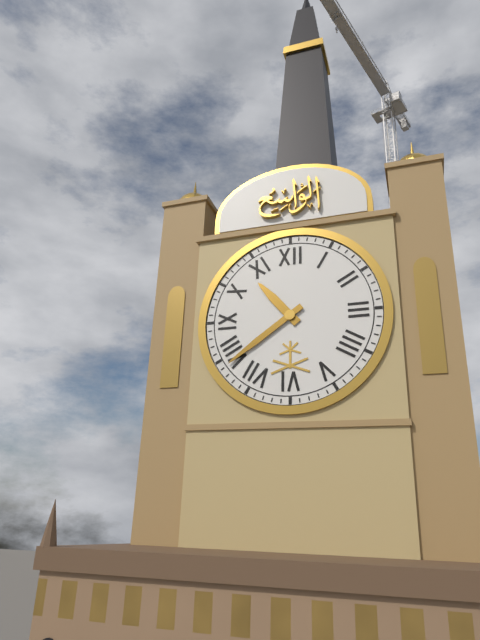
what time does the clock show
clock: 10:39
